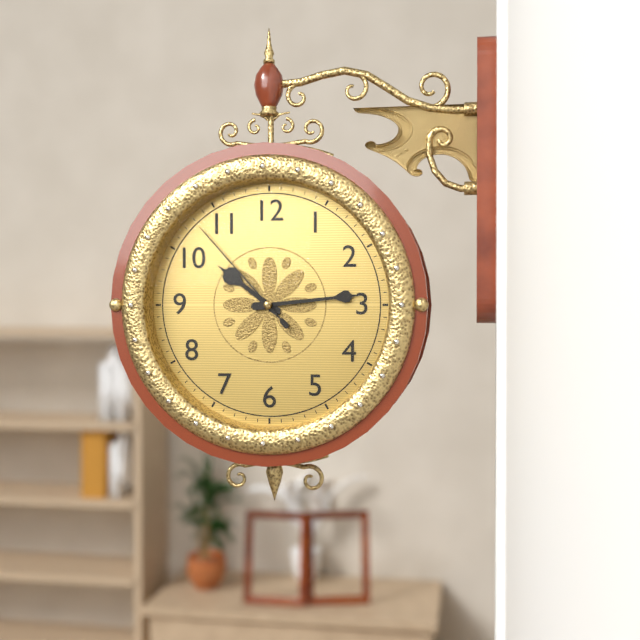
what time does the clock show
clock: 10:14:53
